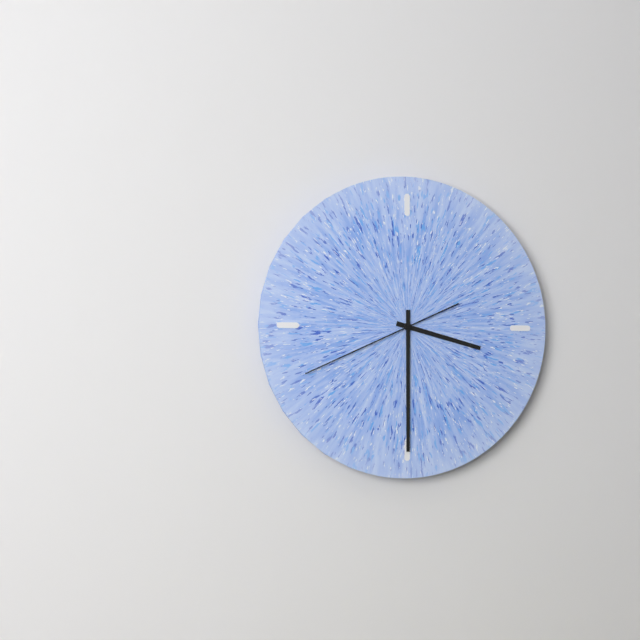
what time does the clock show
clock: 3:30:41
